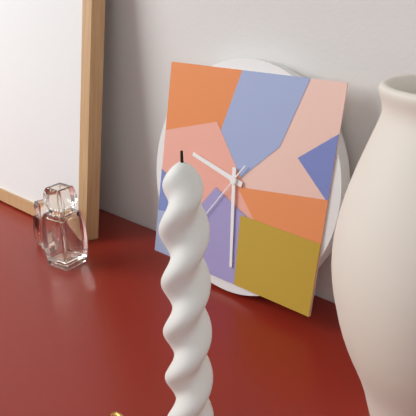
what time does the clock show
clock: 9:29:36
